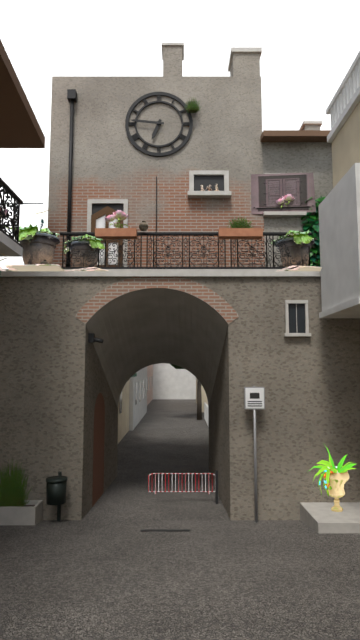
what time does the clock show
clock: 6:46
